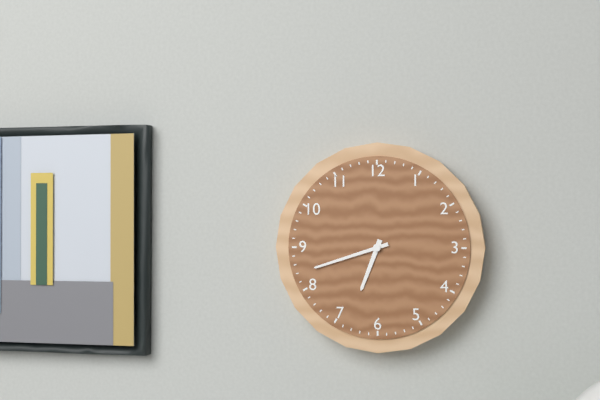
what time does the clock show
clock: 6:42
